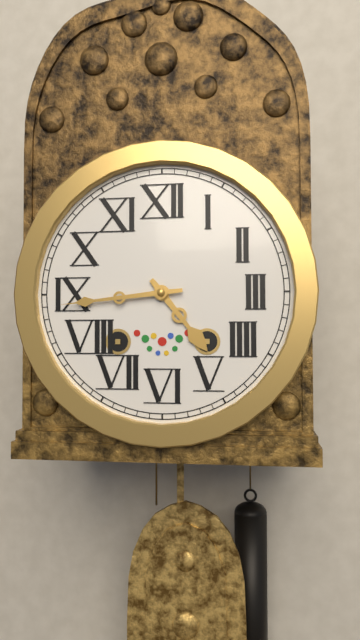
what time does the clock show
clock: 4:44
